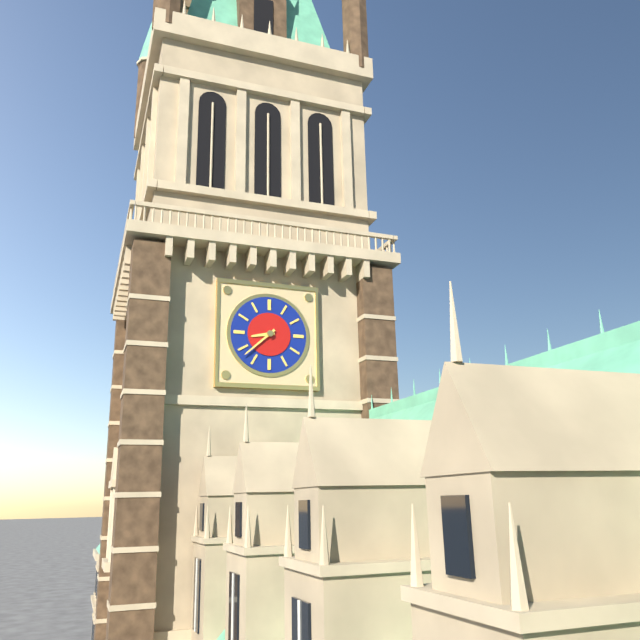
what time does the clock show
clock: 8:38
